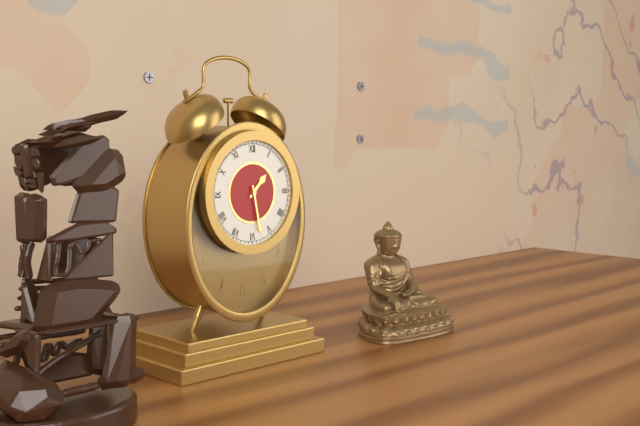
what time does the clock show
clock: 1:28
